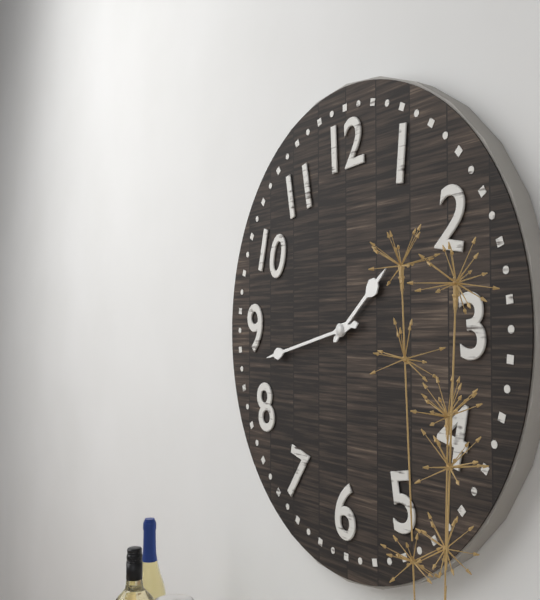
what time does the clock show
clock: 1:43
